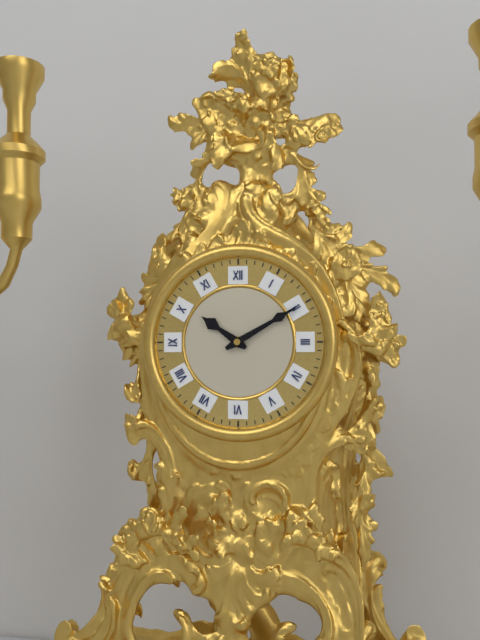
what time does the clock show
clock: 10:10
